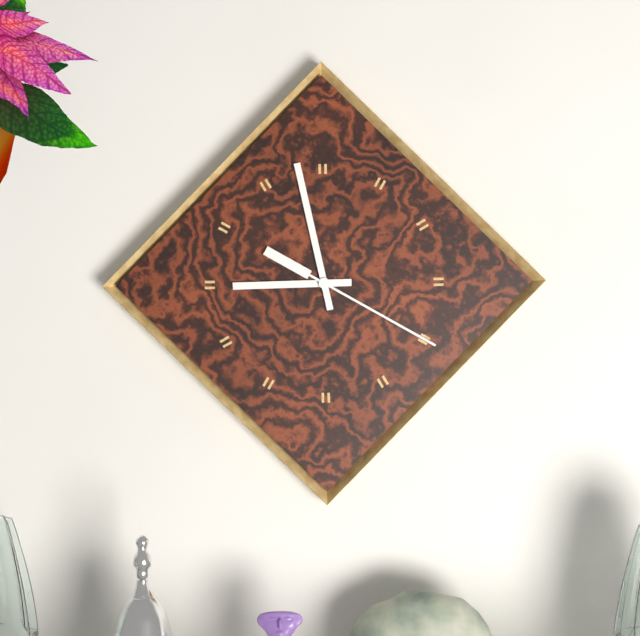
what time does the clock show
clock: 8:58:20
